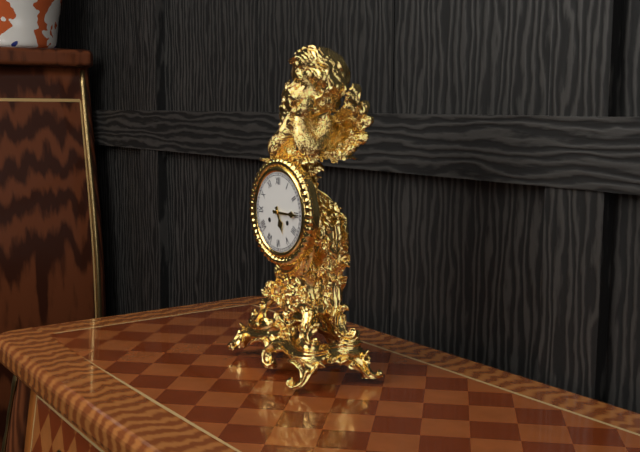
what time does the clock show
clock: 5:15
